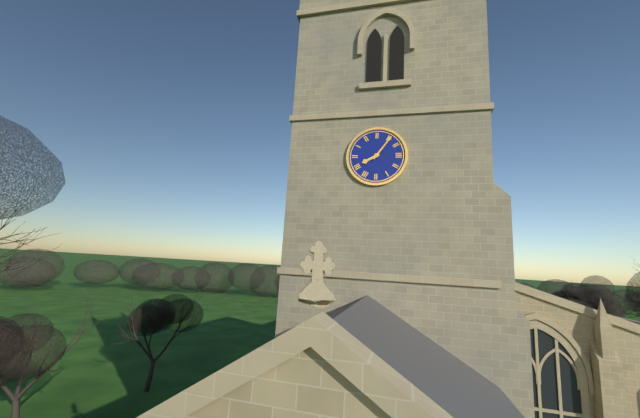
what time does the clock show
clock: 8:06
